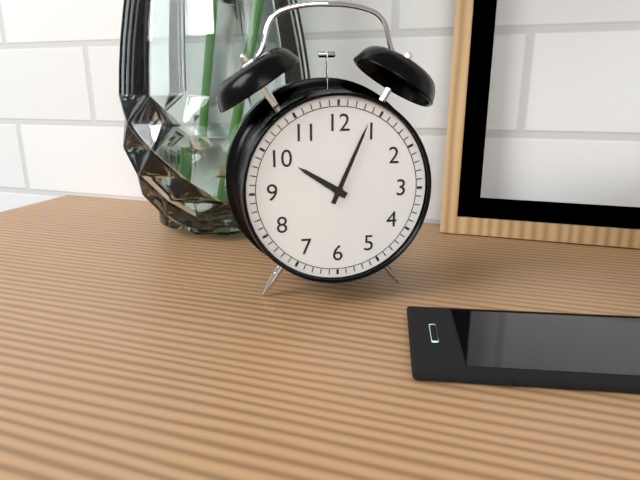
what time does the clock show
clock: 10:04
